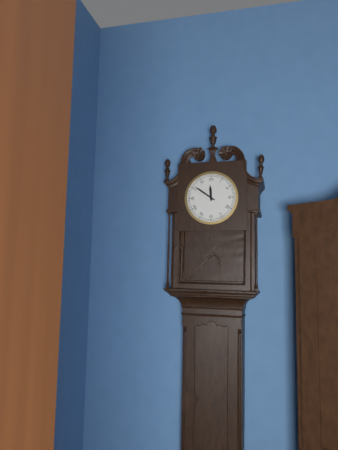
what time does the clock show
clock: 11:51
